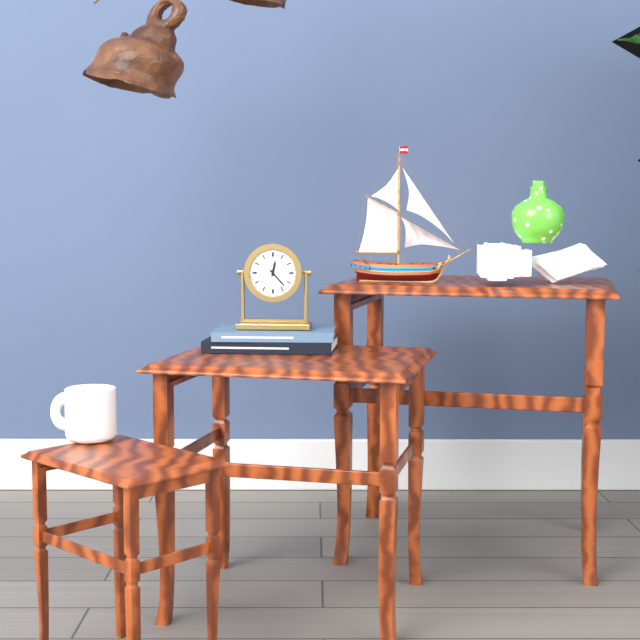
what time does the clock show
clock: 12:23
